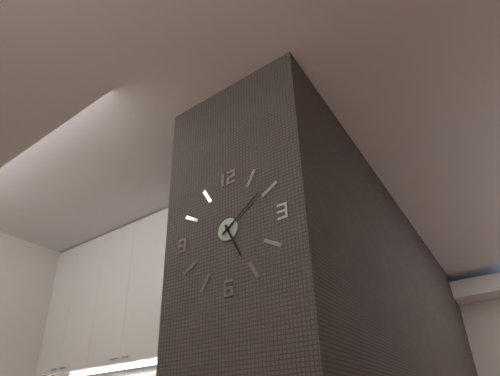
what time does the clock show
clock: 5:09
